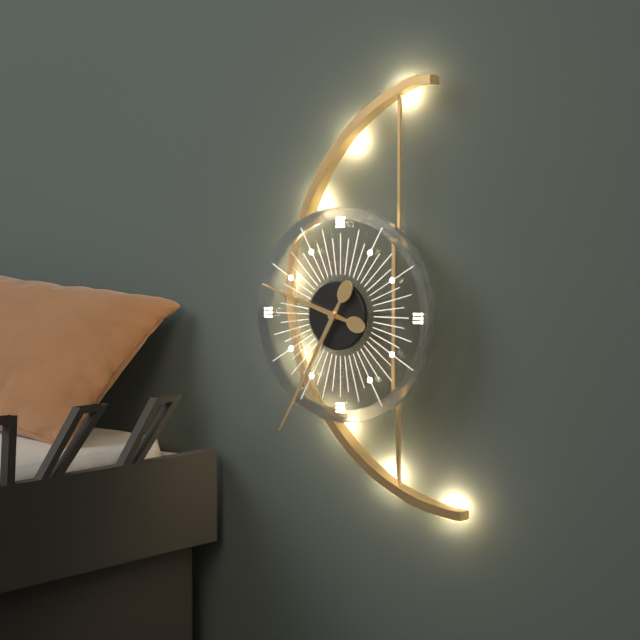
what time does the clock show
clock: 9:35
